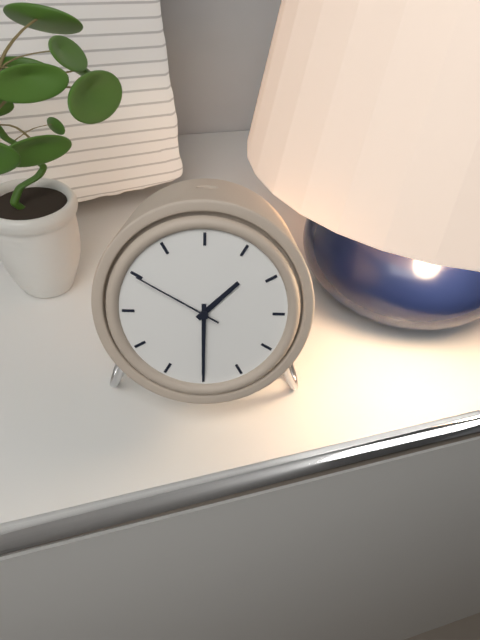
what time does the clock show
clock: 1:30:50
